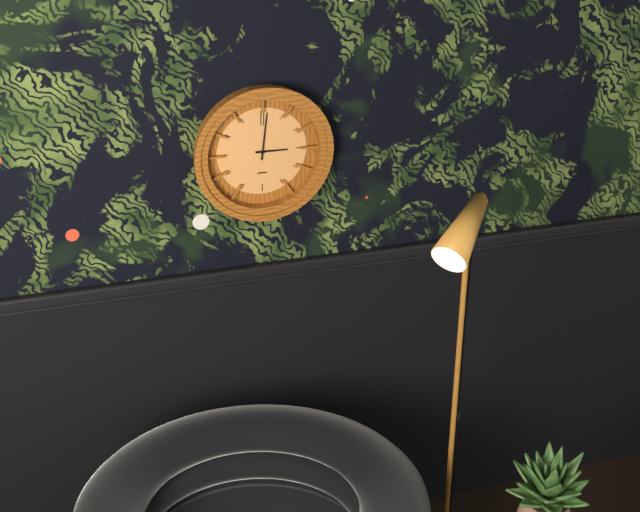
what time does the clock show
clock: 3:01
